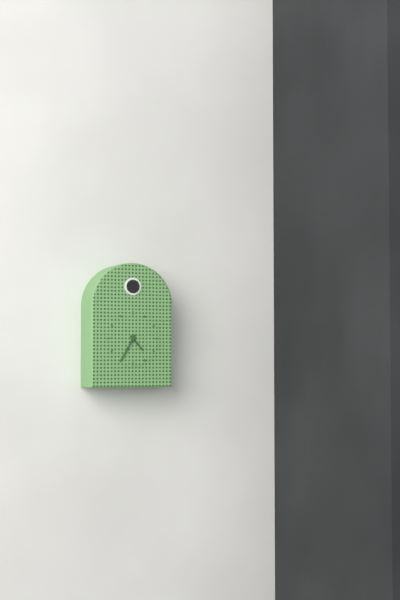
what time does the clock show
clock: 4:35
